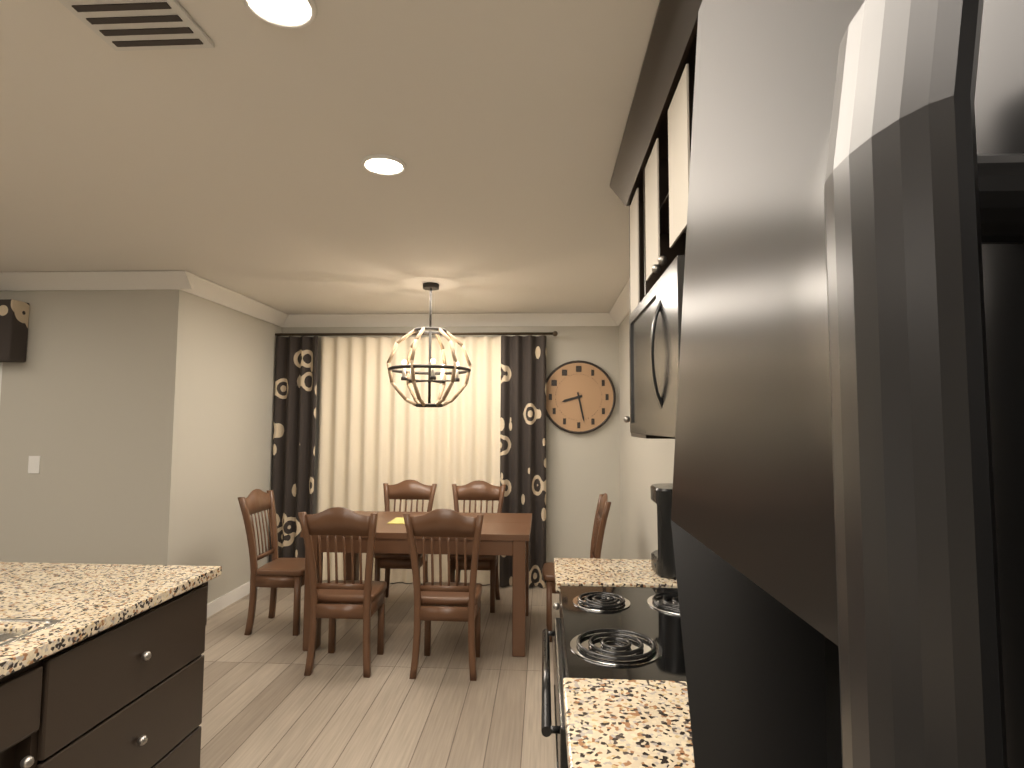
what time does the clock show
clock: 8:28
